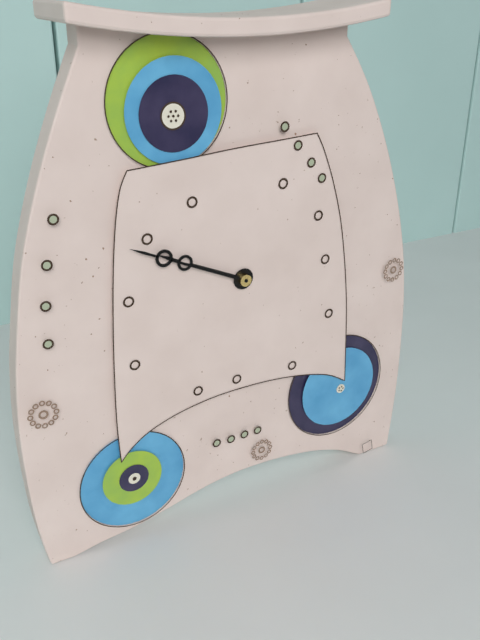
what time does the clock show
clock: 9:49
